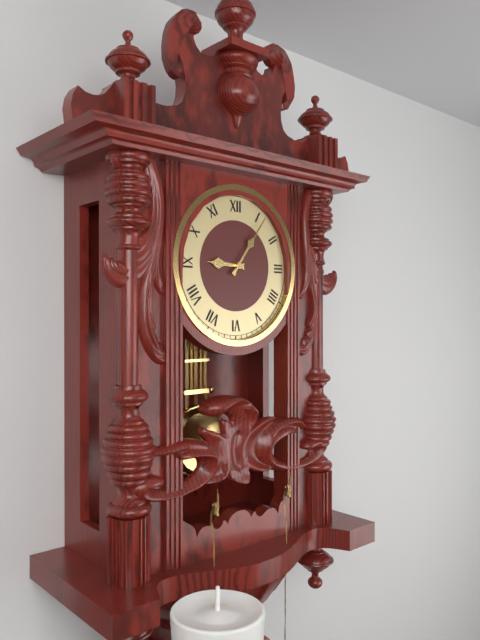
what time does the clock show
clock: 9:06
